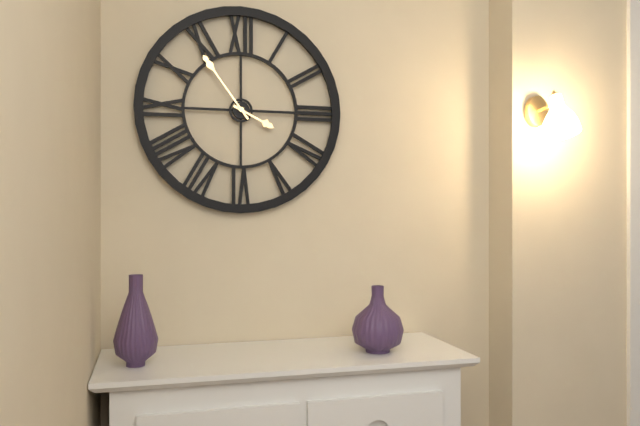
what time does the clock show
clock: 3:54
